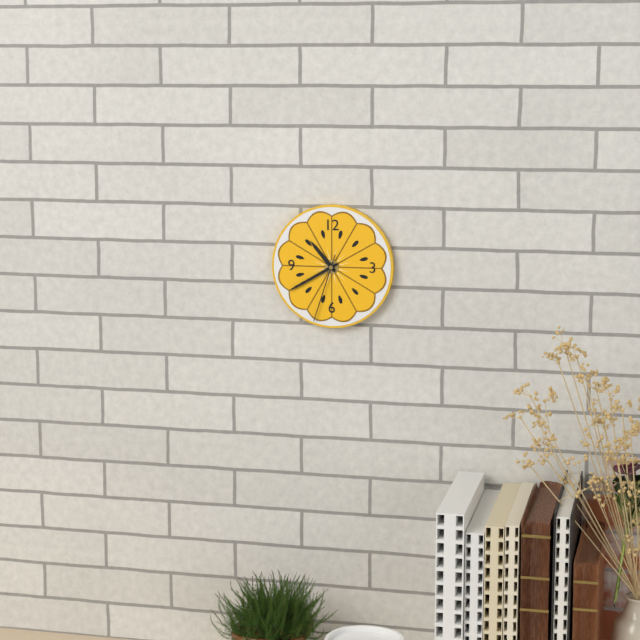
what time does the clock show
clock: 10:40:33
